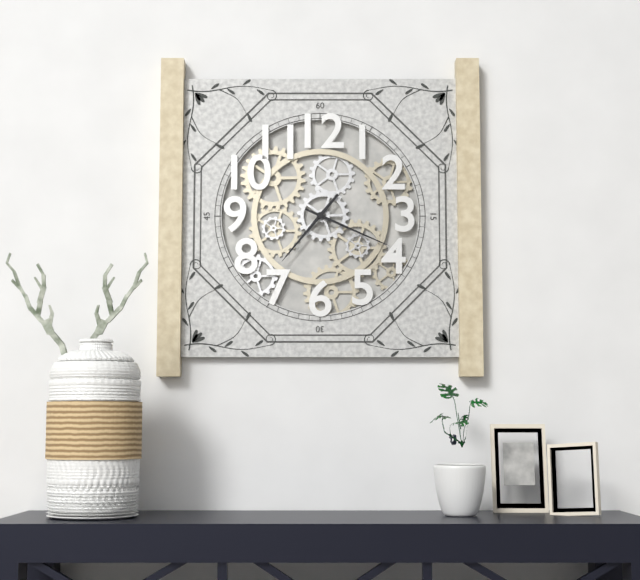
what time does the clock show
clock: 7:19
